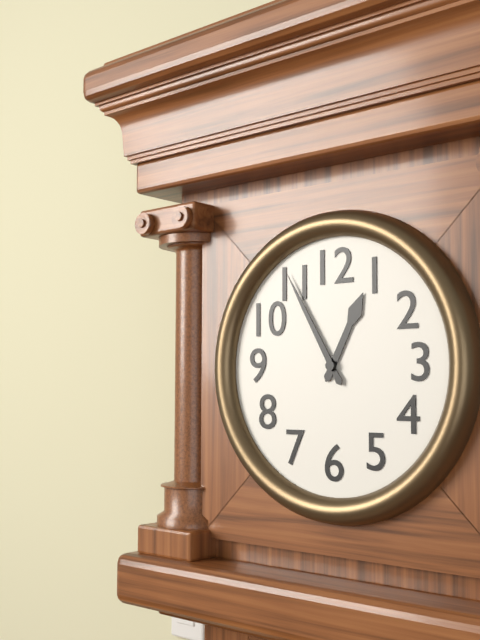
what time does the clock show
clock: 12:55
